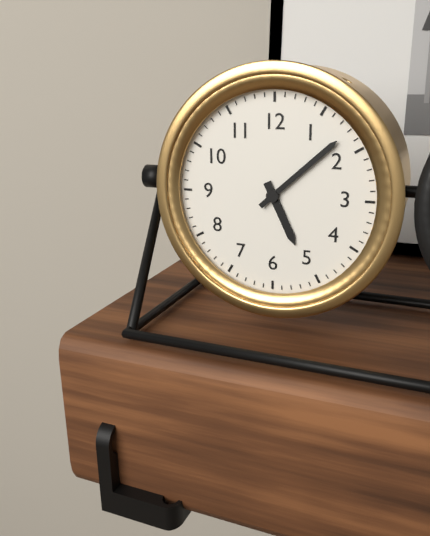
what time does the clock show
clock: 5:08
